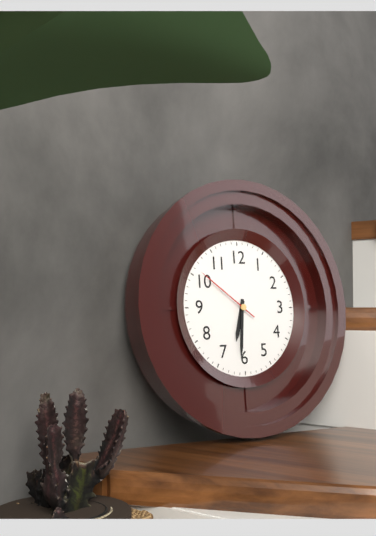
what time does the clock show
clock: 6:31:51
